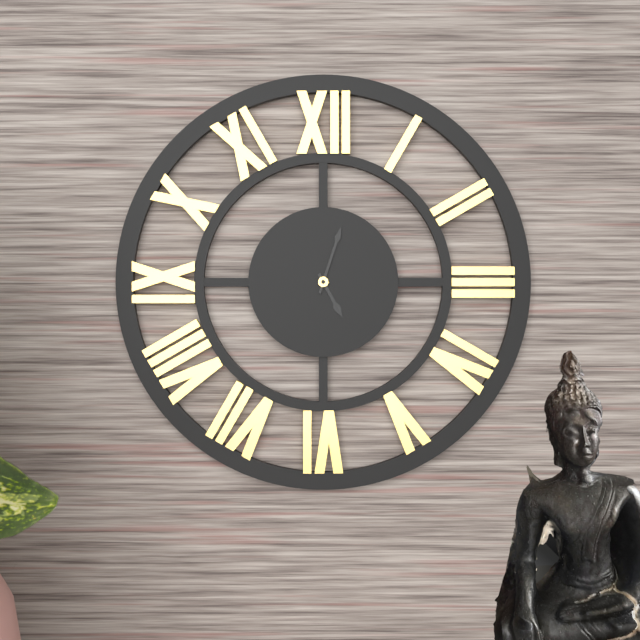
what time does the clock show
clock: 5:03
